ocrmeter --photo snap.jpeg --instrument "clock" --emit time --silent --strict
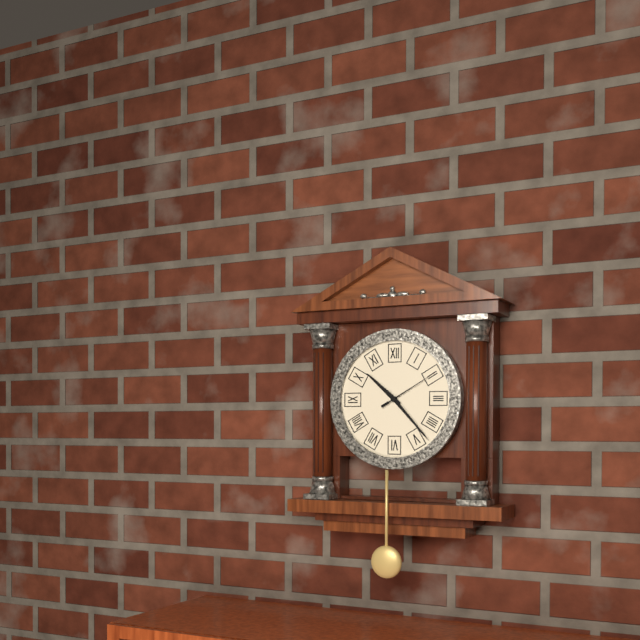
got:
10:23:10
